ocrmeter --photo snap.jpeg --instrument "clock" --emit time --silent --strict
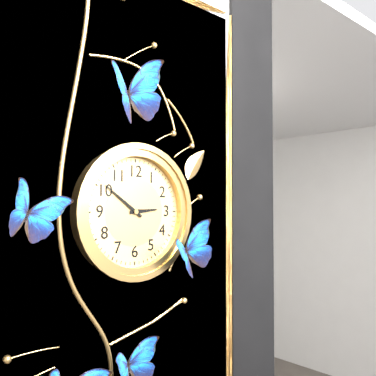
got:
2:51
